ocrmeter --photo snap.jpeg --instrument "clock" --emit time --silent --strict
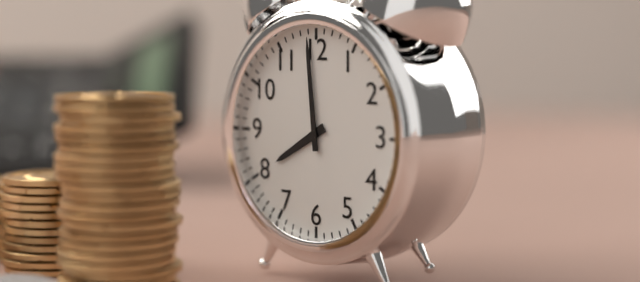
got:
7:59
